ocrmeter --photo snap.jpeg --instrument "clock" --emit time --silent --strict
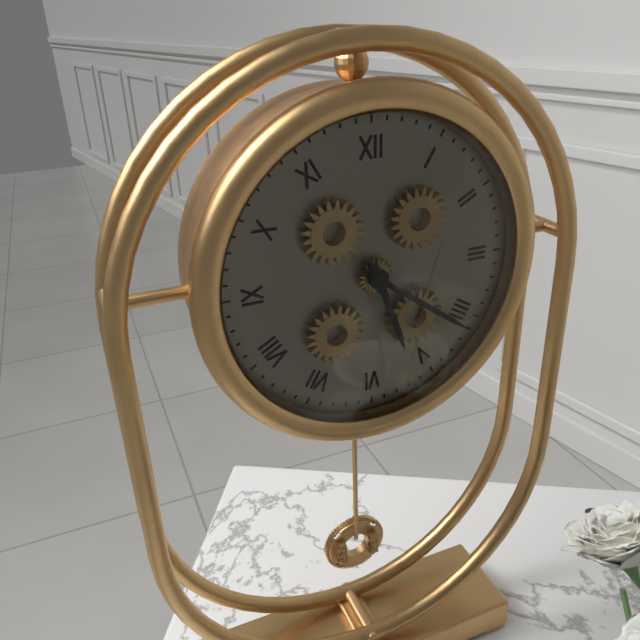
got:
5:21
